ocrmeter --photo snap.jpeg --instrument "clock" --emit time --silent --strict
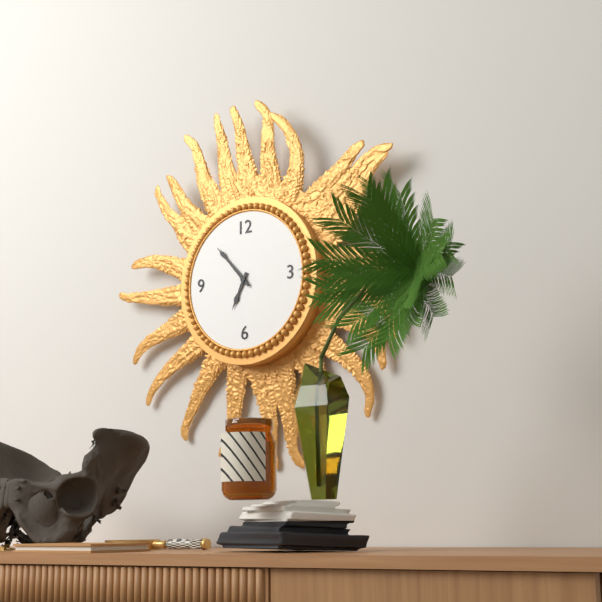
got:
6:53
